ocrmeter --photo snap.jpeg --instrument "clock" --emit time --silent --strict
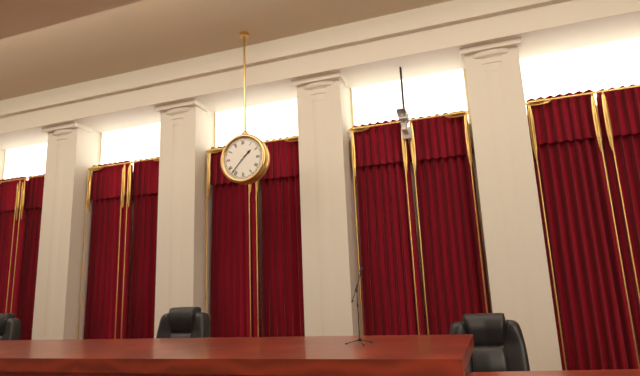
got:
1:37
